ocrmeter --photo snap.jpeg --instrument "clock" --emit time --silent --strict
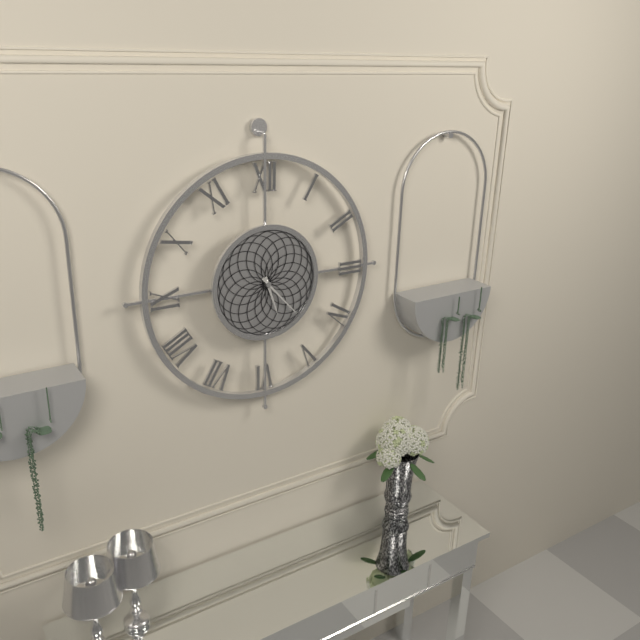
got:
5:23
